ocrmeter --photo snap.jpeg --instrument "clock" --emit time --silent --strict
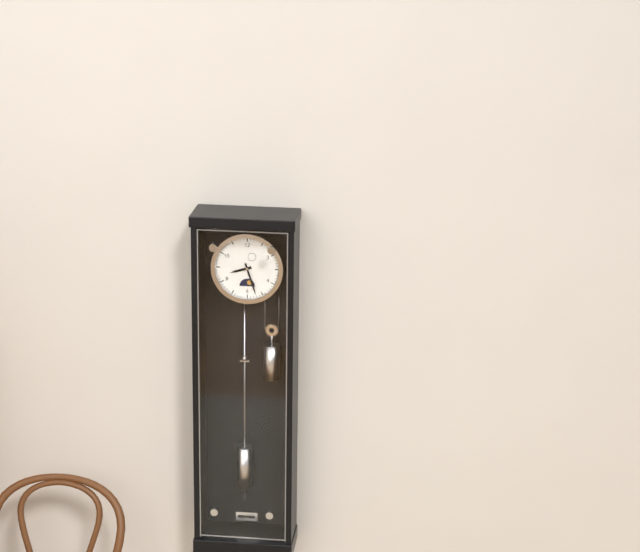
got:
8:27
